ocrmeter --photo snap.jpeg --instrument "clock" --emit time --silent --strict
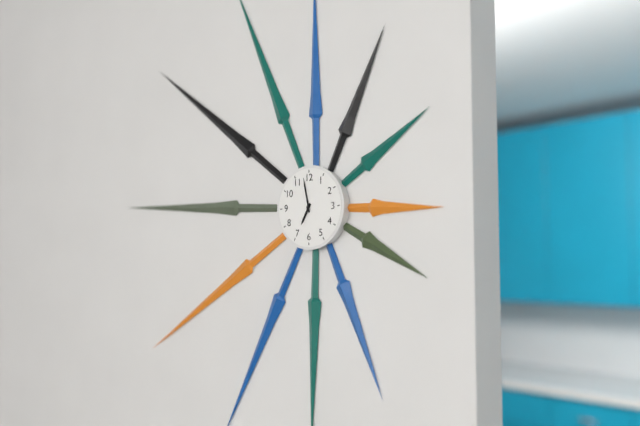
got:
6:58
